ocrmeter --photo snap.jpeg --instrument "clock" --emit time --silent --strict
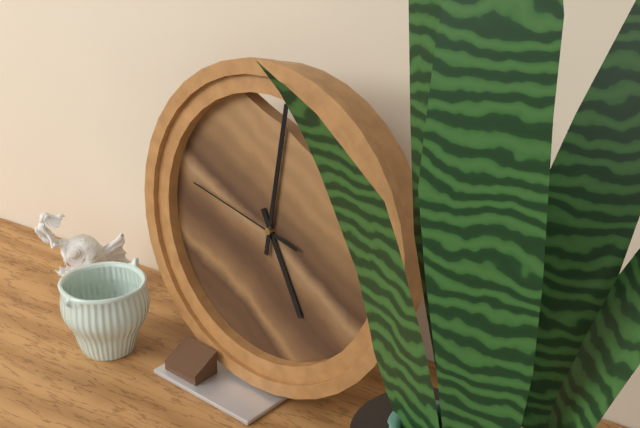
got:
5:01:47
